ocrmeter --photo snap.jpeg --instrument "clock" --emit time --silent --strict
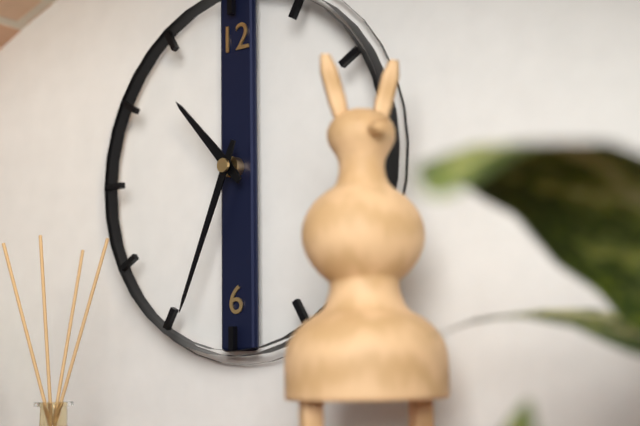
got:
10:34
